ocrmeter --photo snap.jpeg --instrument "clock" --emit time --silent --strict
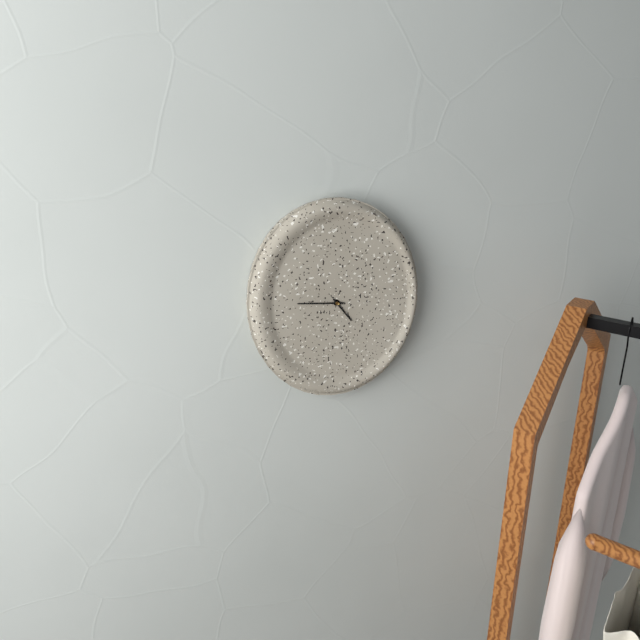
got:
4:46
